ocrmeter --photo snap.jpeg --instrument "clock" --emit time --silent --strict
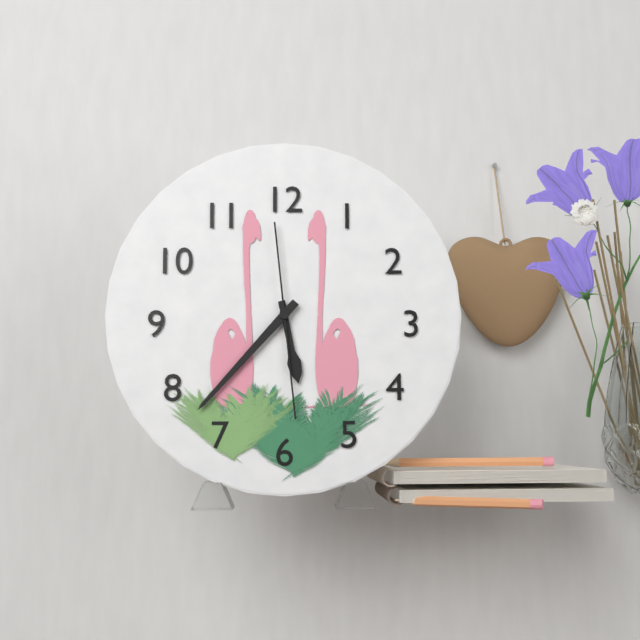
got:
5:37:29
